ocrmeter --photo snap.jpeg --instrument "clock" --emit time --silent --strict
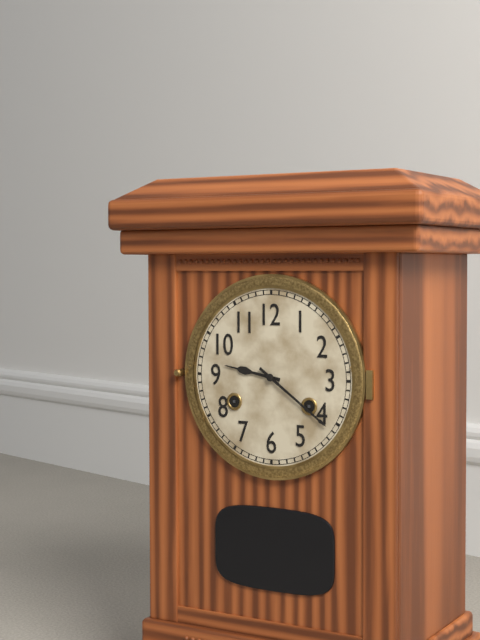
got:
9:21
